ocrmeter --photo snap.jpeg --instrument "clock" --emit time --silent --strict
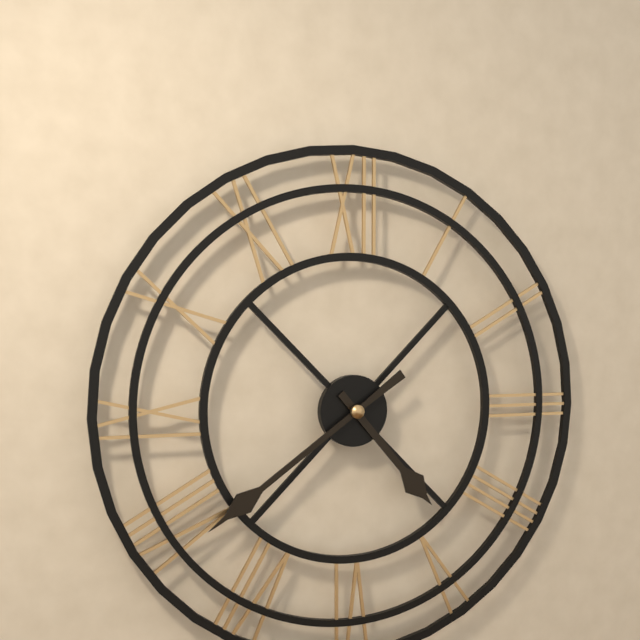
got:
4:39
